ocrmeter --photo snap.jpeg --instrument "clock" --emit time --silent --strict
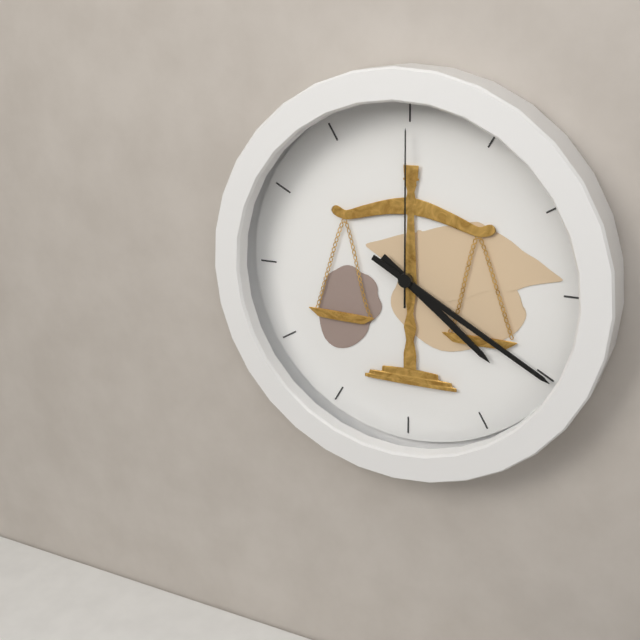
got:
4:20:00
